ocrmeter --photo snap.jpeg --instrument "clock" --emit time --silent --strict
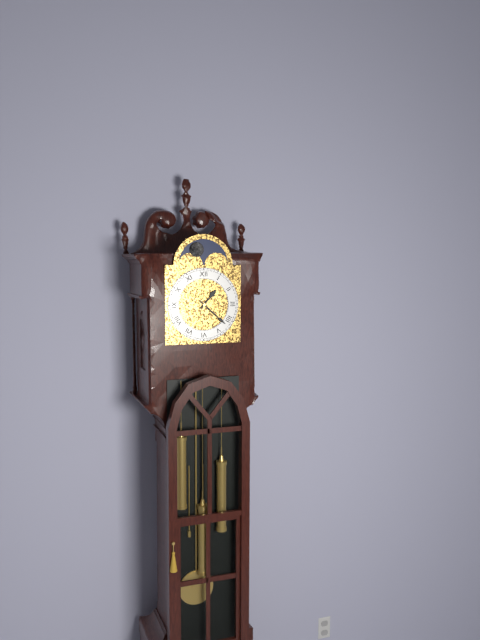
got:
1:22
